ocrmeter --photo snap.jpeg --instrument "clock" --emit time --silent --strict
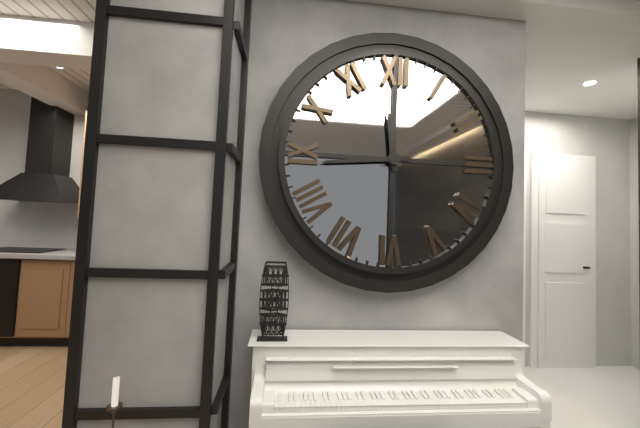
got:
11:44
